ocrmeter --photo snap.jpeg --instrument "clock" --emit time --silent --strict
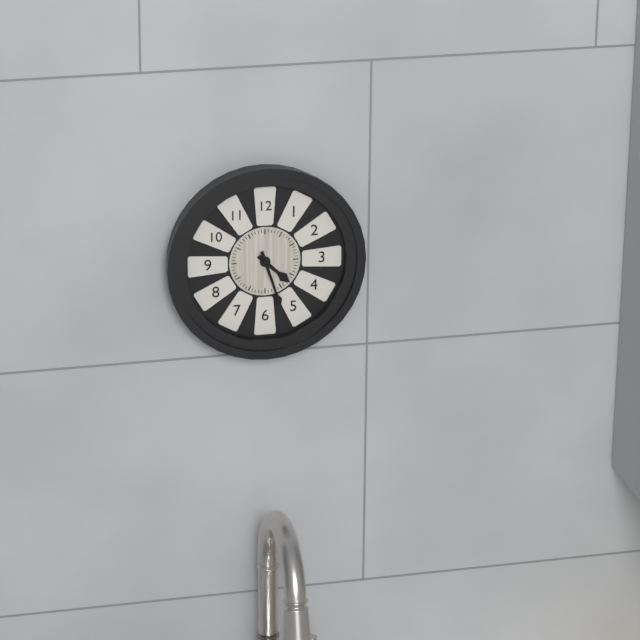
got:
4:27
